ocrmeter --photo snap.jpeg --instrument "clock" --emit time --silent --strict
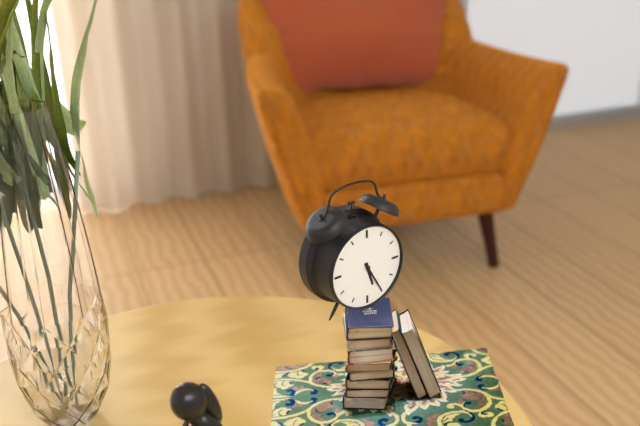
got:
5:25
